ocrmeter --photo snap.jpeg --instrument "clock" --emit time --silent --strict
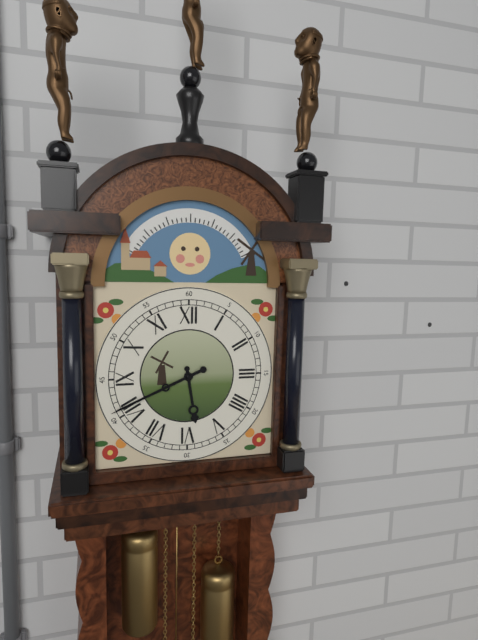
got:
5:41
